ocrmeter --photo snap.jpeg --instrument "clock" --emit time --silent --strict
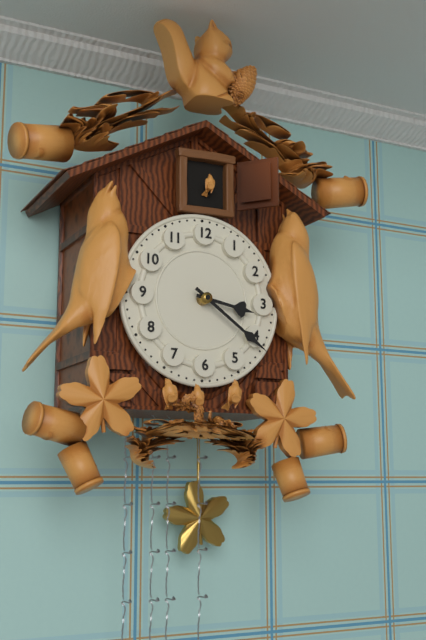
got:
3:21
